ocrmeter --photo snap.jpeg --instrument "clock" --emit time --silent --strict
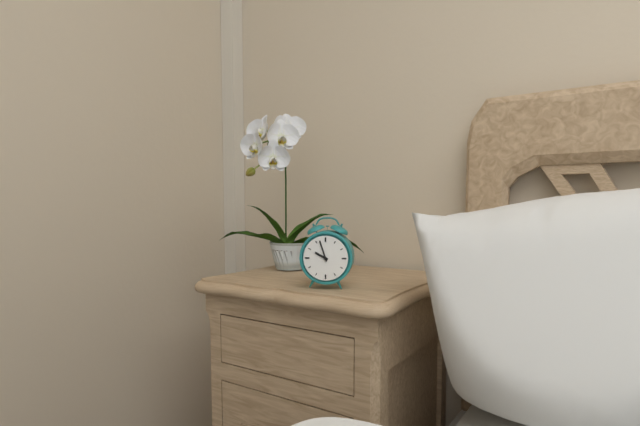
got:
9:57
